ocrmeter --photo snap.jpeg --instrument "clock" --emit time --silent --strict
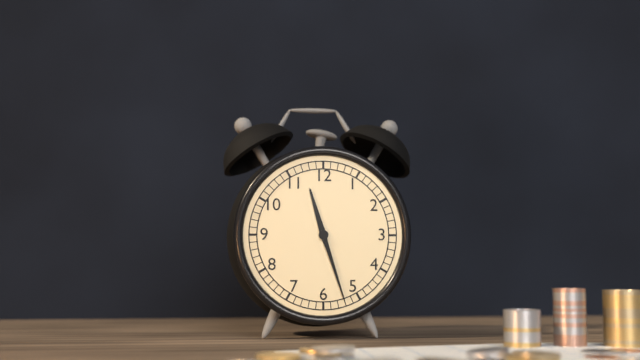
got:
11:27
